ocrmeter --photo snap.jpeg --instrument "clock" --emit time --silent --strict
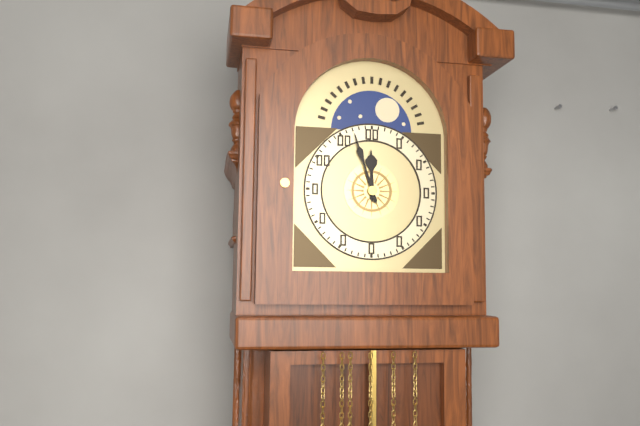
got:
11:57
